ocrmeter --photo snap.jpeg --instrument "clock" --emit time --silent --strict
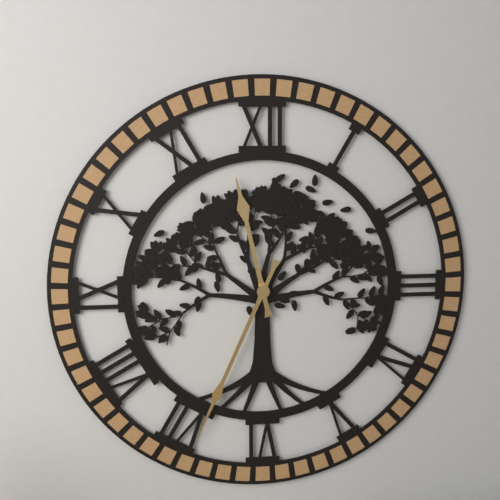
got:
11:34
